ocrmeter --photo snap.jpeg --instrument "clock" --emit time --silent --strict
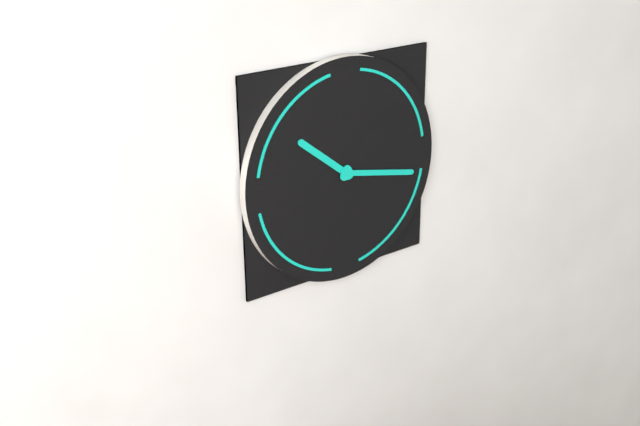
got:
10:17
